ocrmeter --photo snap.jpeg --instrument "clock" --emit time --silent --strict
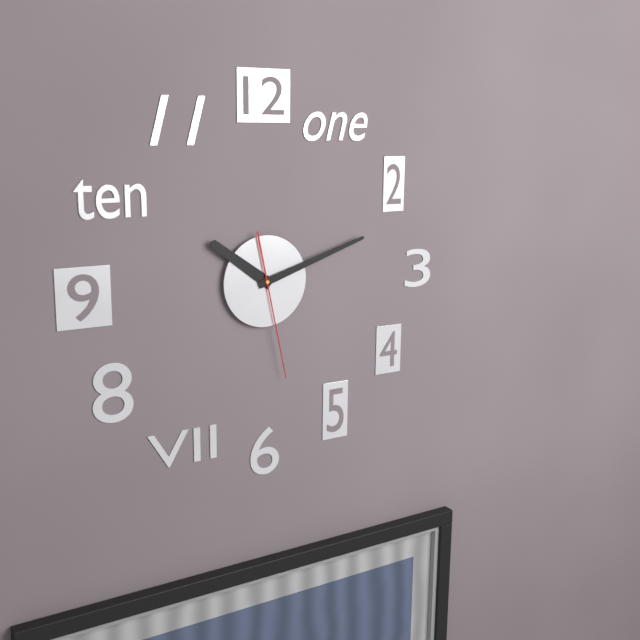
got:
10:12:28
